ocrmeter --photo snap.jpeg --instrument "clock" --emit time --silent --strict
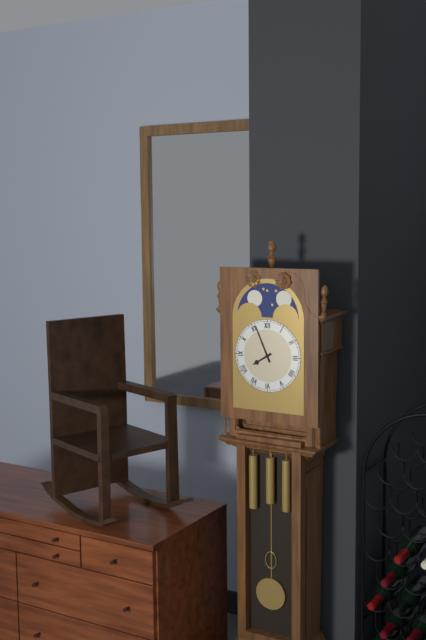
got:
7:56
